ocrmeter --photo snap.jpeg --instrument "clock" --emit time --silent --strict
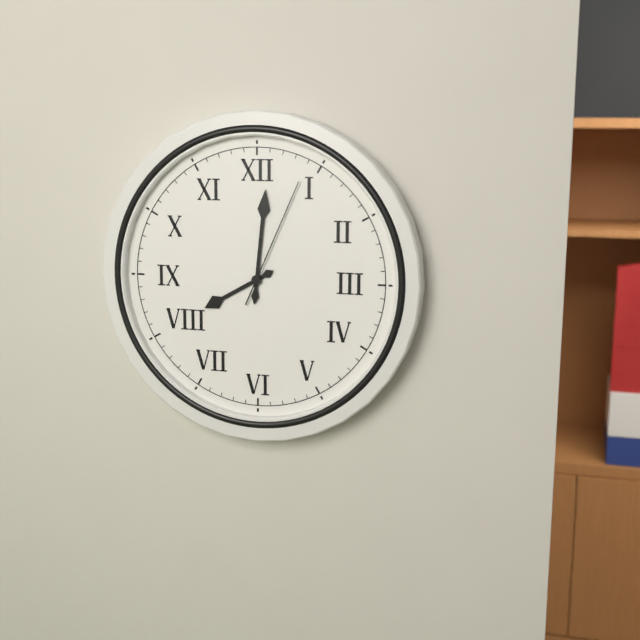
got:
8:01:04
